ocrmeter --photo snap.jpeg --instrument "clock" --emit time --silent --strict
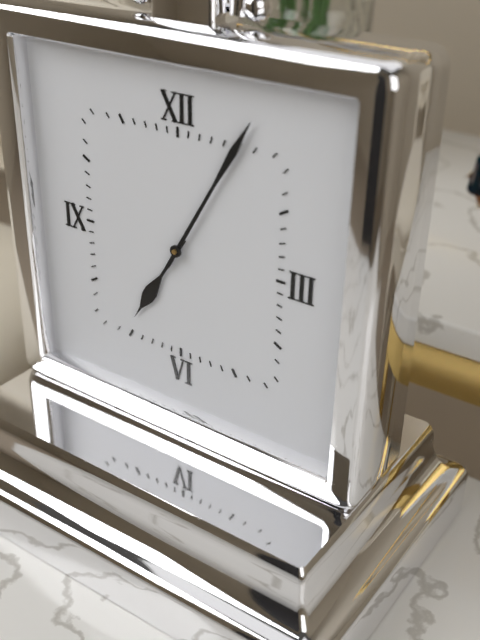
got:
7:05
